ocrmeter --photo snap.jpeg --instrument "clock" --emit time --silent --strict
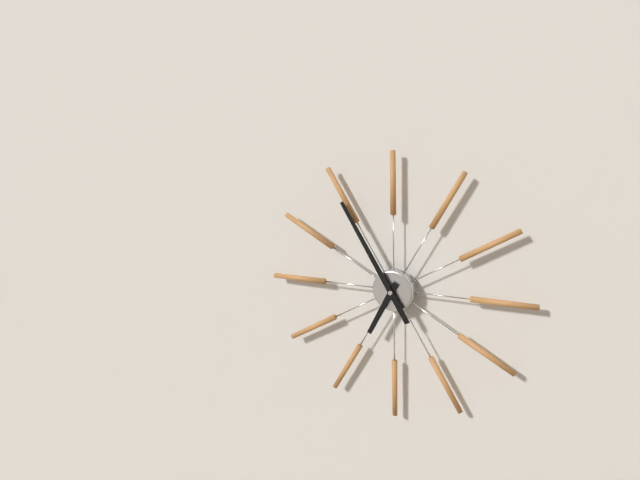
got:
6:55
